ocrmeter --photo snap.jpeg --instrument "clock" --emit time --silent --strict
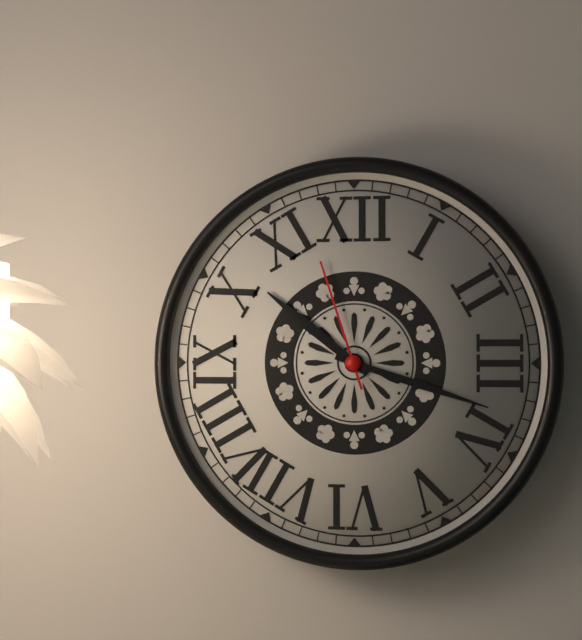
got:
10:18:57
